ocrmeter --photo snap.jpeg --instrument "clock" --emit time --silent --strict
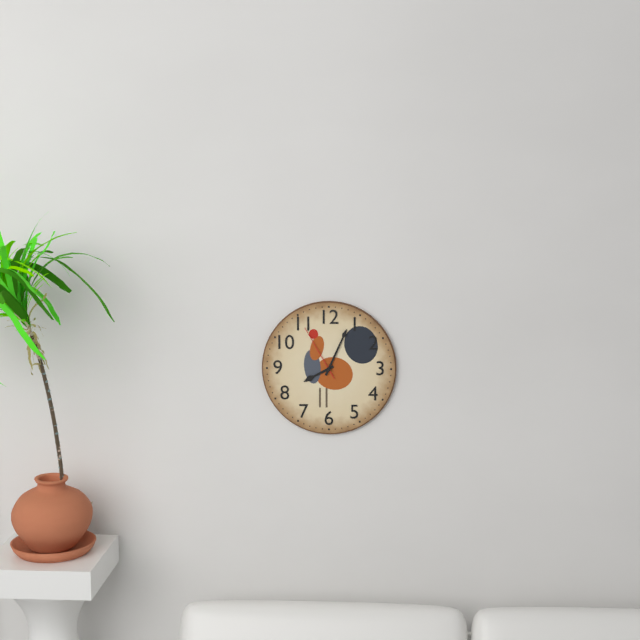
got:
8:04:55
